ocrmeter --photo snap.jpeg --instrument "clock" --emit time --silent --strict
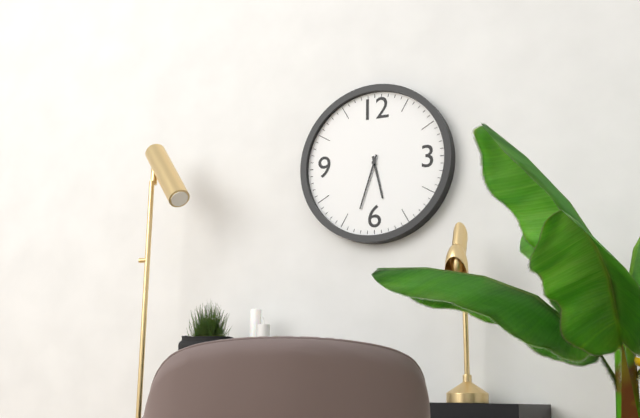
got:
5:33
